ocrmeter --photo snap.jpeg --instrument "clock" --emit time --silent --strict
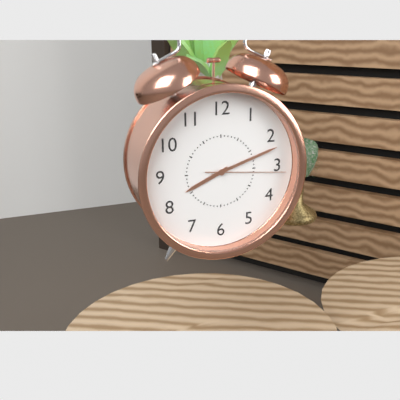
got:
8:12:16
